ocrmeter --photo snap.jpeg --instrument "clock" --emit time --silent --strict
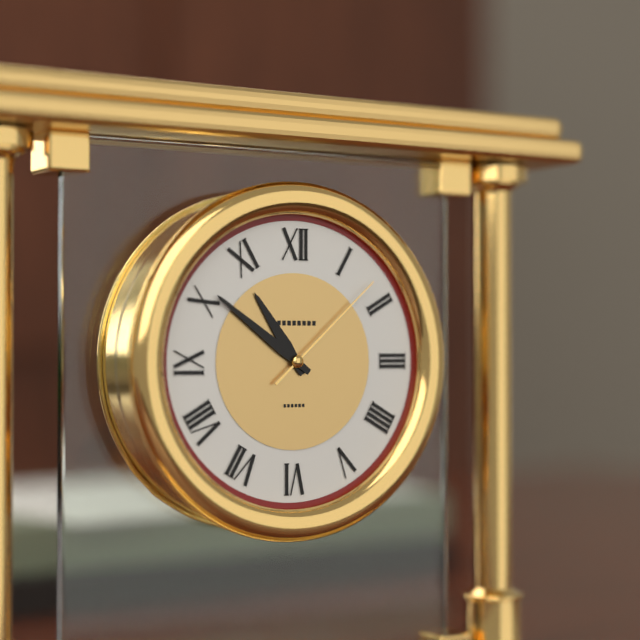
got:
10:51:08
